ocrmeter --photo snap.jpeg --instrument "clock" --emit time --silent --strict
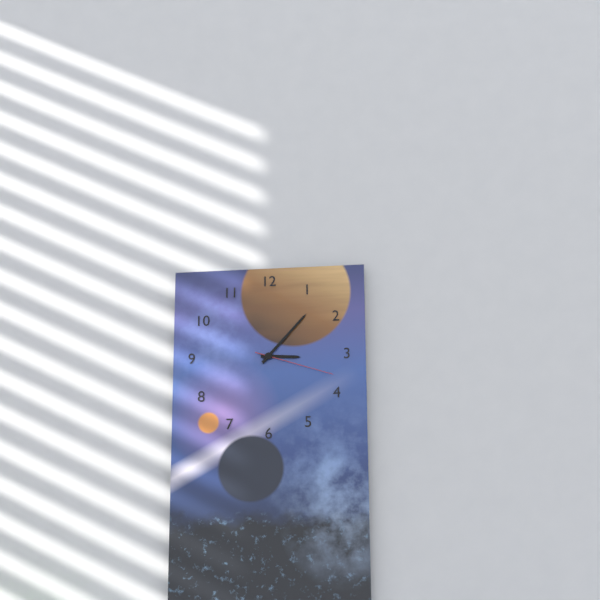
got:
3:07:18
